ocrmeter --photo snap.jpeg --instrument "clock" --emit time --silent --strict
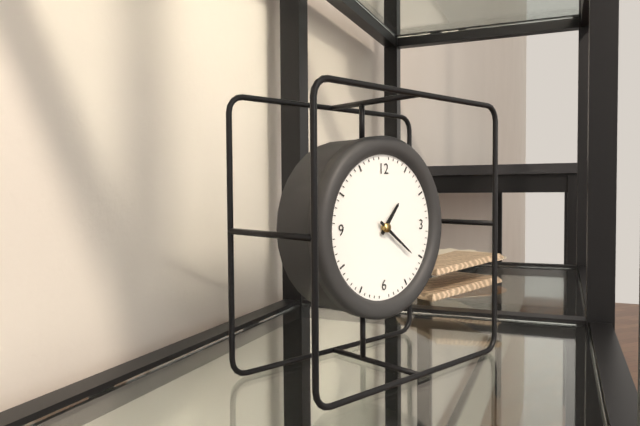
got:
1:21
